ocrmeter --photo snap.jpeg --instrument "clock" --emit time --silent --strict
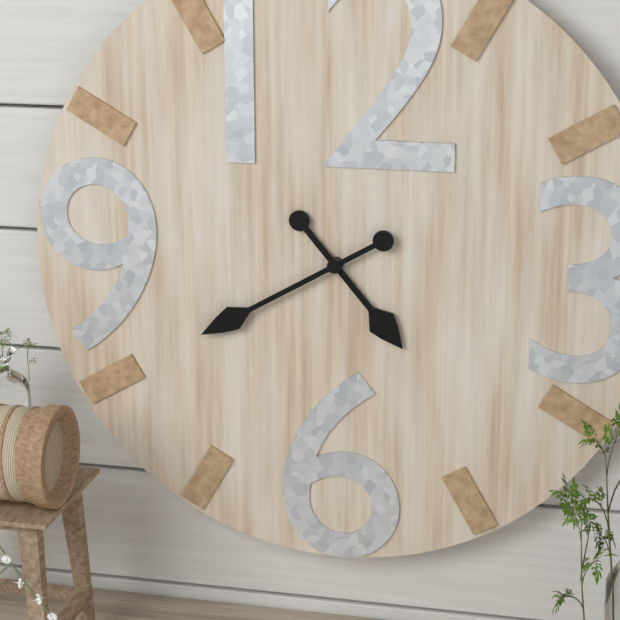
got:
4:40
